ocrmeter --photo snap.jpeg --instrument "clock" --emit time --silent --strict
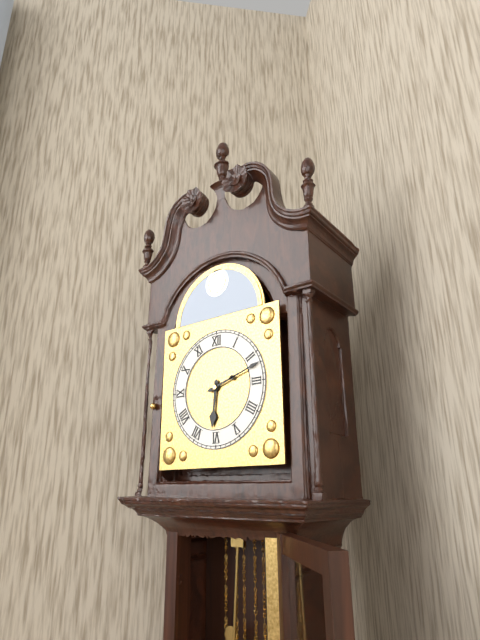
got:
6:12
